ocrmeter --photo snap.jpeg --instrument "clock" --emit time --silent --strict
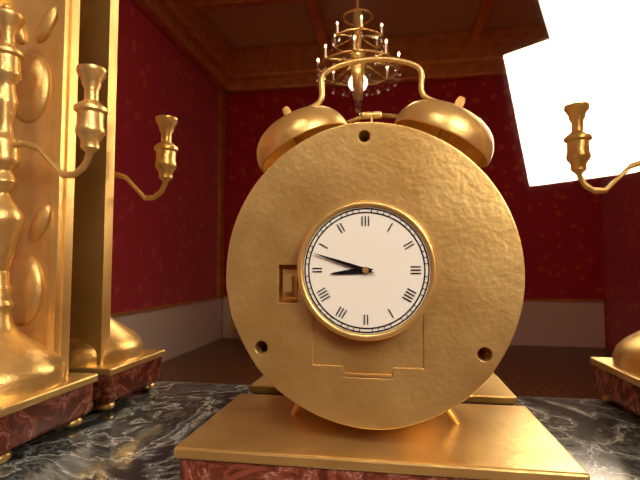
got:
8:48
